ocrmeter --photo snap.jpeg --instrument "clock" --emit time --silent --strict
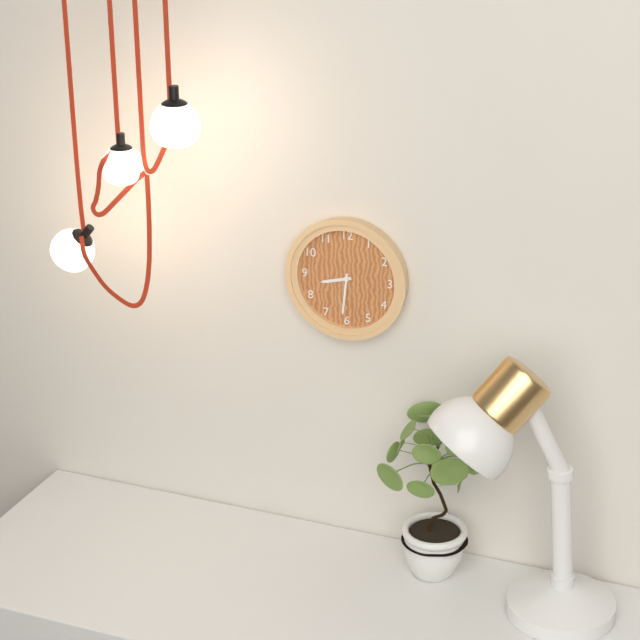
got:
8:31
